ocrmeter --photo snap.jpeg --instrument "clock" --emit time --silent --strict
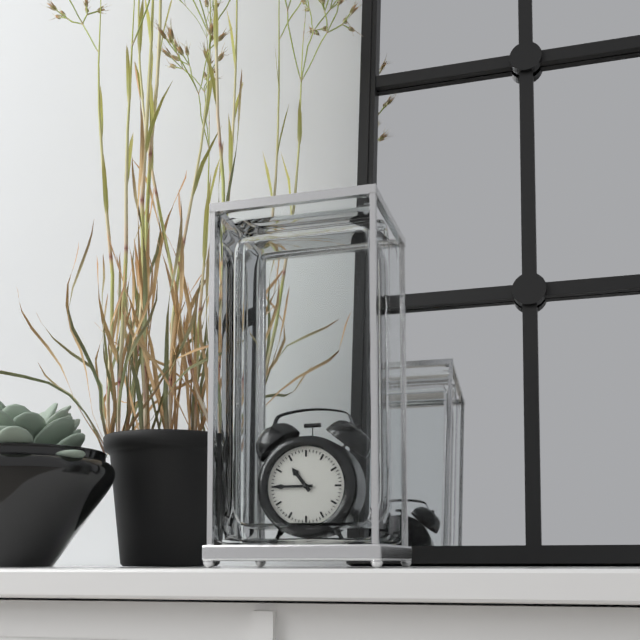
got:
10:45
